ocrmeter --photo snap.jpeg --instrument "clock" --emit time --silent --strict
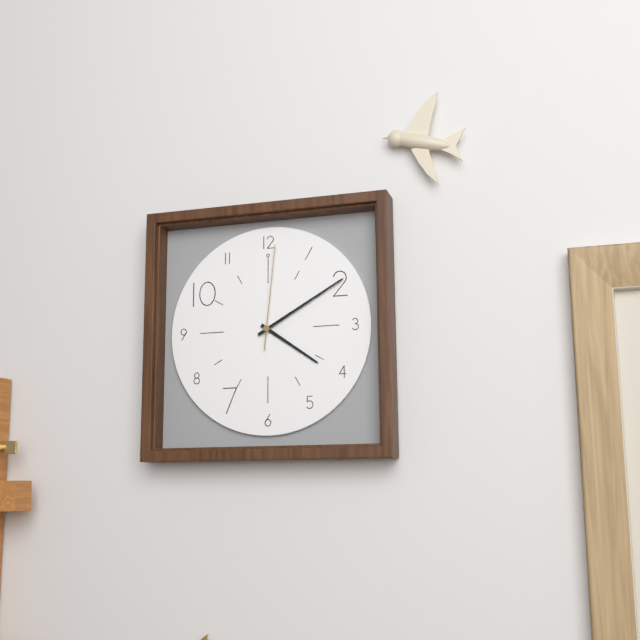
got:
4:10:01
